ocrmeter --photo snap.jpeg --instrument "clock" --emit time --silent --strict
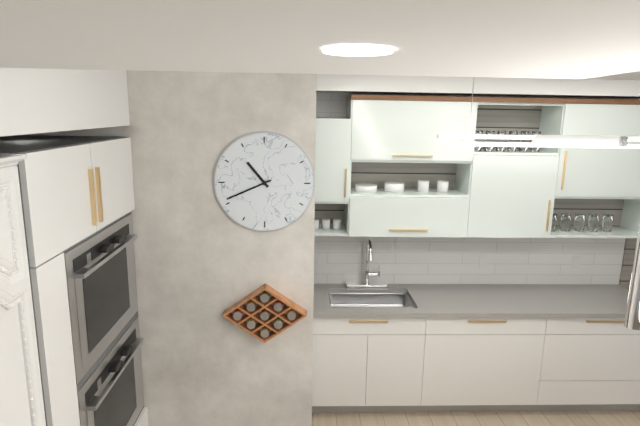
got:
10:41
